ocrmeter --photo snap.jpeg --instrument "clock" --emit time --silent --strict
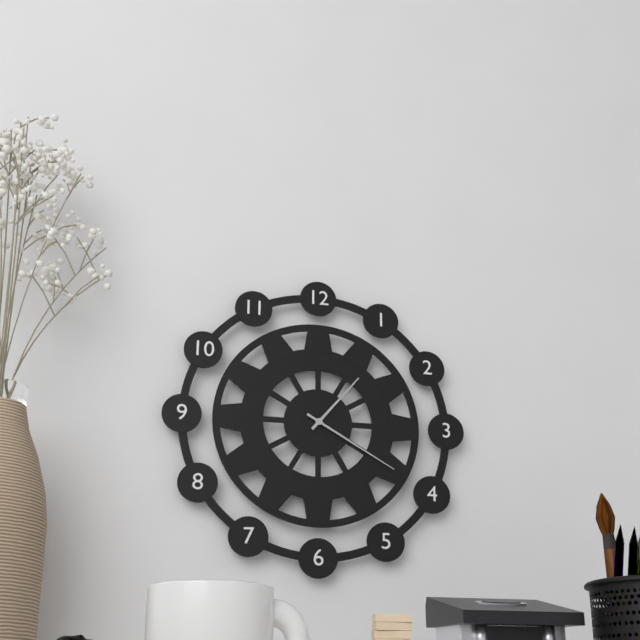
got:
1:20
